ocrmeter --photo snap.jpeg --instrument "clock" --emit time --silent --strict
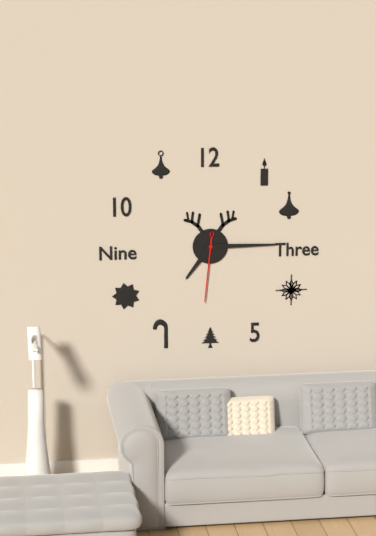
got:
7:15:31
